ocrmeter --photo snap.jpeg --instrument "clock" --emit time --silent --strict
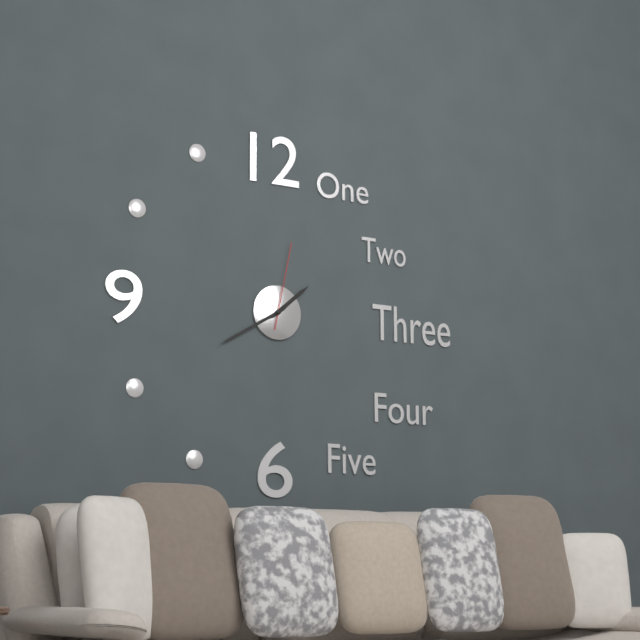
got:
1:40:02
